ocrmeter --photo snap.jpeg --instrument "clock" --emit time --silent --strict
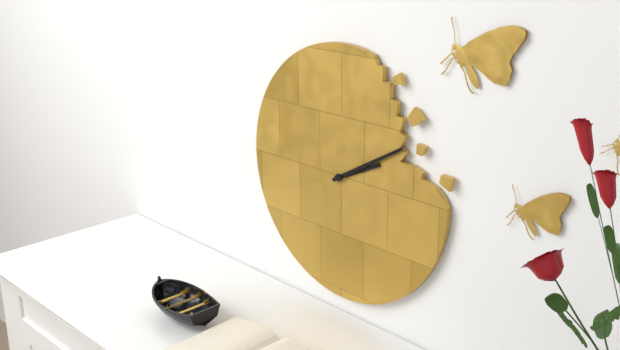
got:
2:10
